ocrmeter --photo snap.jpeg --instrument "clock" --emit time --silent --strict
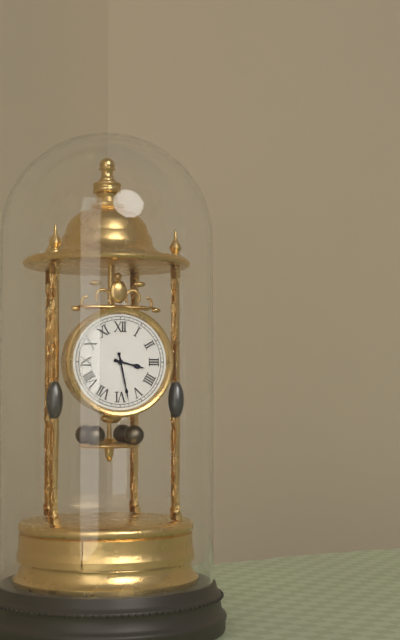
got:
3:28
